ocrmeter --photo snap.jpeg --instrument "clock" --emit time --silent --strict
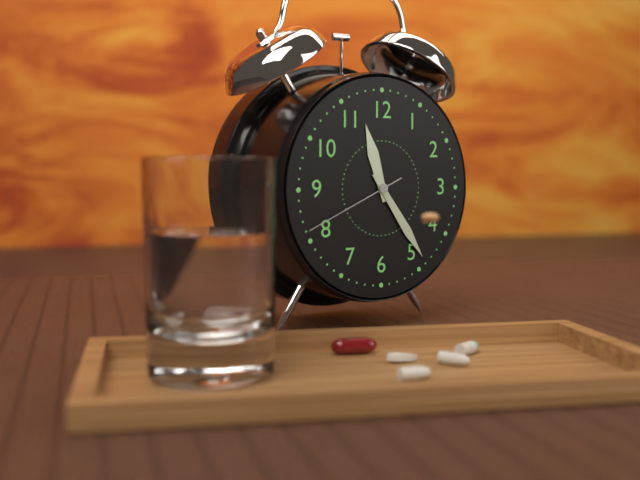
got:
11:24:41
